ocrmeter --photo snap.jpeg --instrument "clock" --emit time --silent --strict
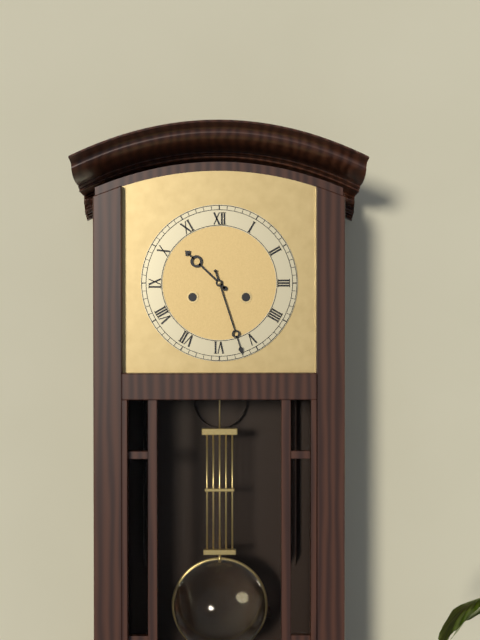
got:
10:27
